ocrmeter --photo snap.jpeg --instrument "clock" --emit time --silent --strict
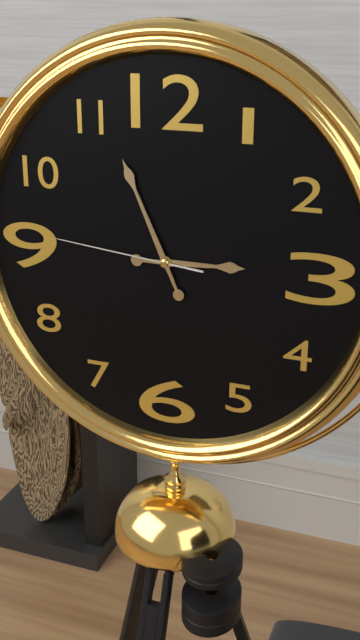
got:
2:56:46
